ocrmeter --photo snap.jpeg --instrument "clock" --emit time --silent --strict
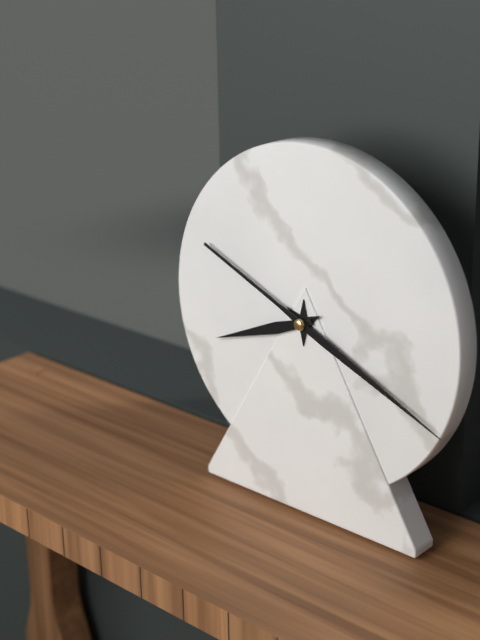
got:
8:19
